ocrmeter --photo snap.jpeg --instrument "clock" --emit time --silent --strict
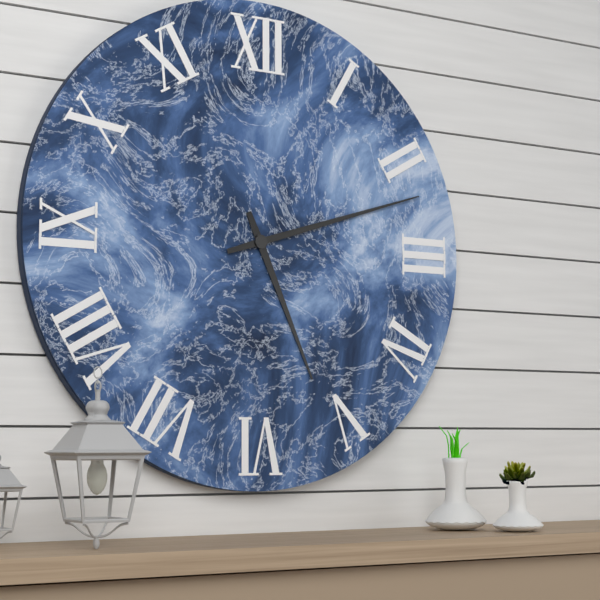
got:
5:12
